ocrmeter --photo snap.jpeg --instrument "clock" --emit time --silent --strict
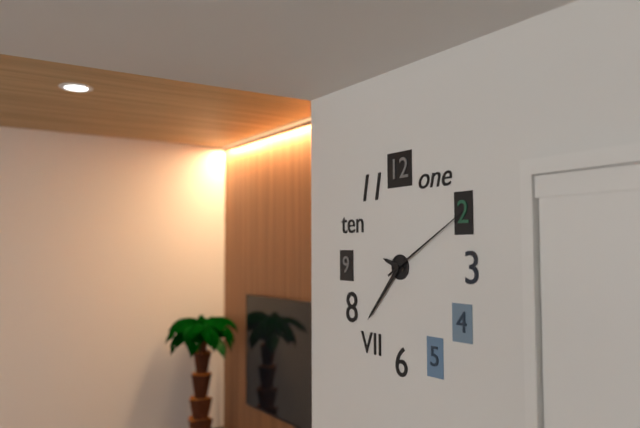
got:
9:37:10
